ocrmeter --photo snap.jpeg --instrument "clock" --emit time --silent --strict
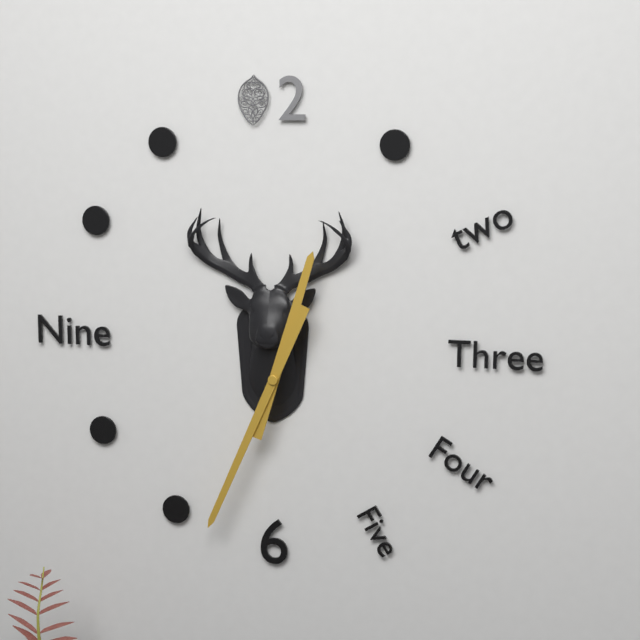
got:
12:34
